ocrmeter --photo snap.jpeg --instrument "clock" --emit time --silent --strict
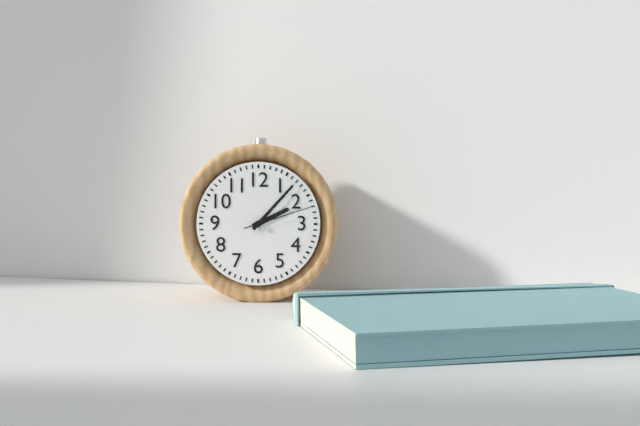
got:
2:07:12
